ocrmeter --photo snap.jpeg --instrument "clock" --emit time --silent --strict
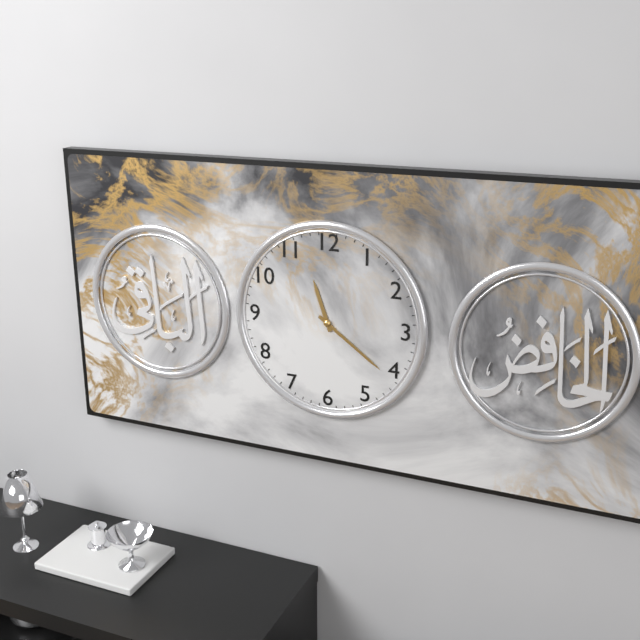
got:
11:21
